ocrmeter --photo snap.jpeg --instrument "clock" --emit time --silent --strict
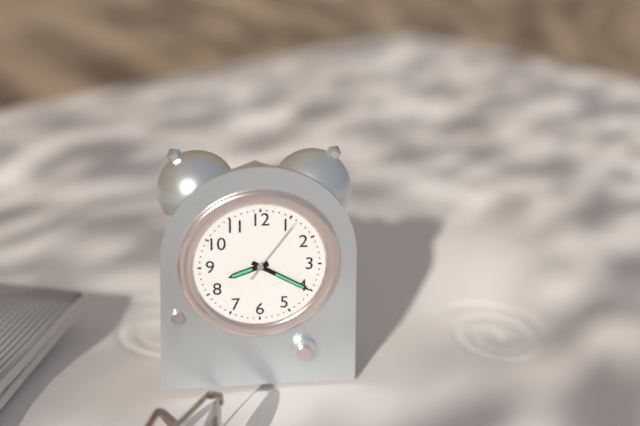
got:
8:20:06
